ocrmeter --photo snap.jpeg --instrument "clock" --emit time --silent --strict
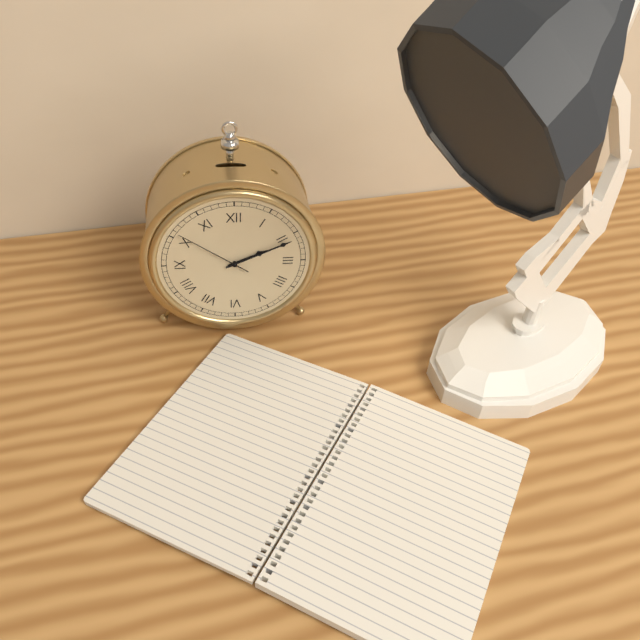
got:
2:11:51
